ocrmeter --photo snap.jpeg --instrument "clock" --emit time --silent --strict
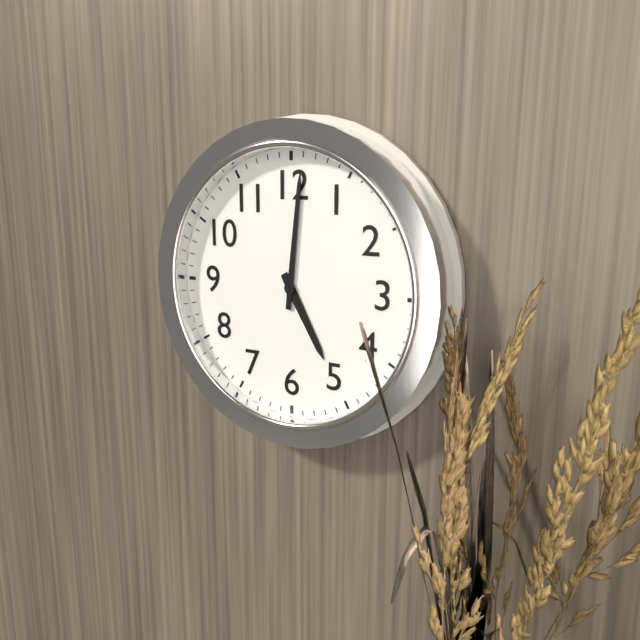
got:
5:01
